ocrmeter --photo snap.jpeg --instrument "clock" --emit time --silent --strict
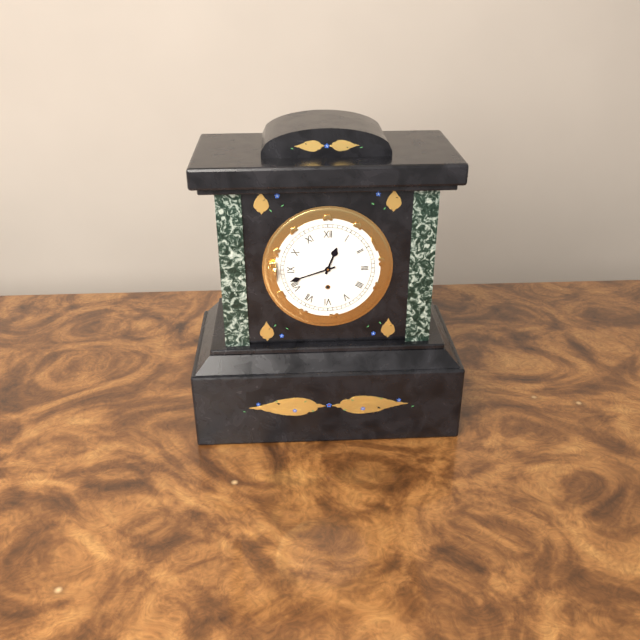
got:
12:42
